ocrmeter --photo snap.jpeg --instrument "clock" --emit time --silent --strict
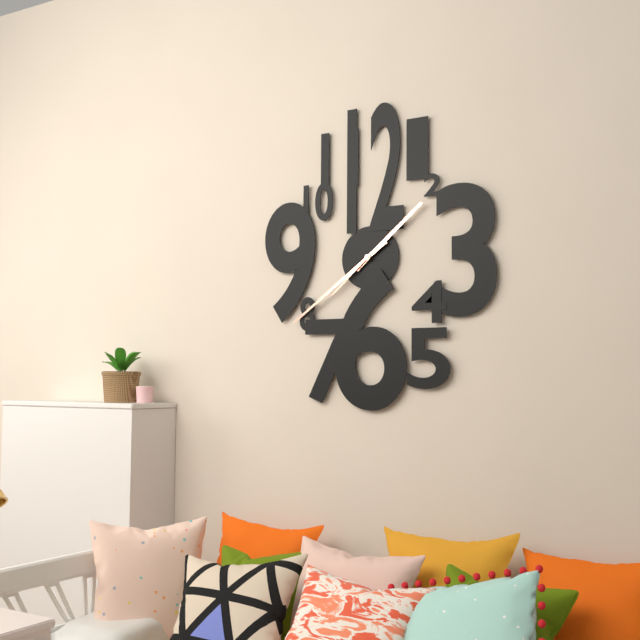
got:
1:39:38
